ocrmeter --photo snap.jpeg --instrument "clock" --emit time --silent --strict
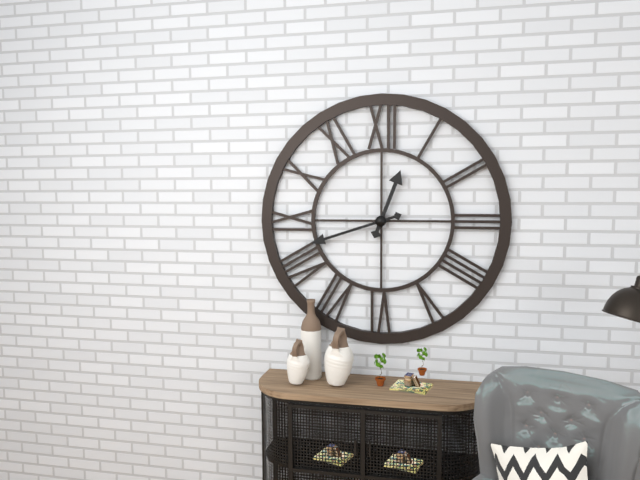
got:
12:42
